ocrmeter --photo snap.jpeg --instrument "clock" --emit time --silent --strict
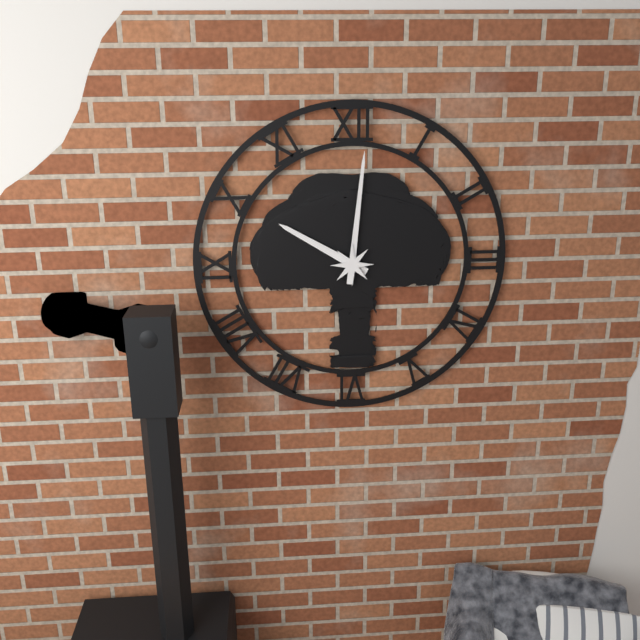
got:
10:01
